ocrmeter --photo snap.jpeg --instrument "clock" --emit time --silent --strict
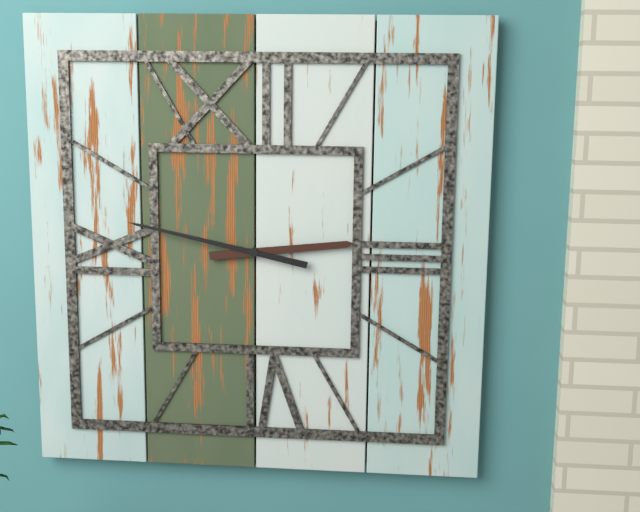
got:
2:47
